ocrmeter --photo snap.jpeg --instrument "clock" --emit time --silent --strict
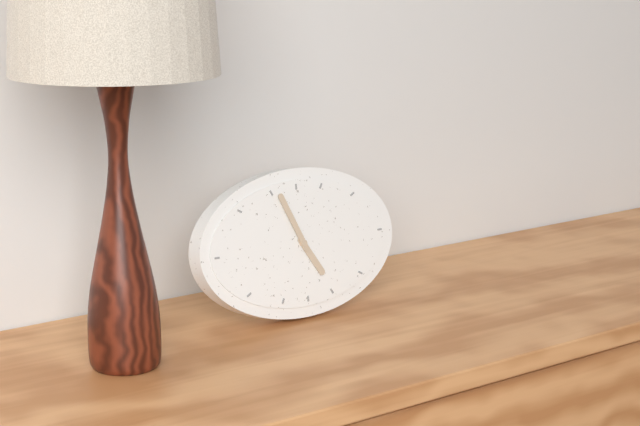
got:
4:56
